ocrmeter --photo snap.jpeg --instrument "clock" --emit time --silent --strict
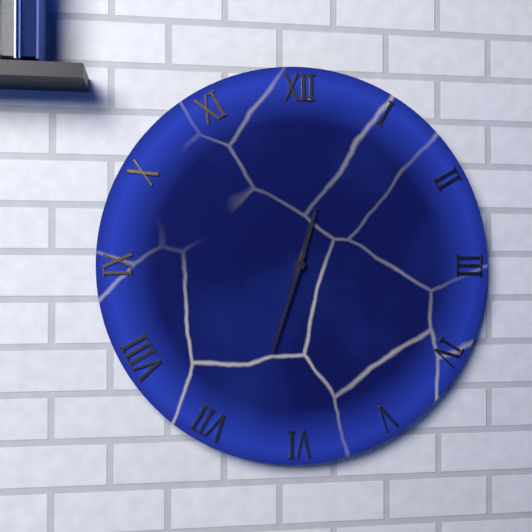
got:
12:33
